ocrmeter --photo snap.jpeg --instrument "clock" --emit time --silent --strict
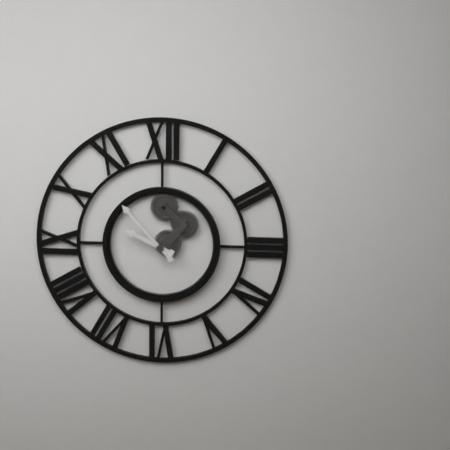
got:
9:53
